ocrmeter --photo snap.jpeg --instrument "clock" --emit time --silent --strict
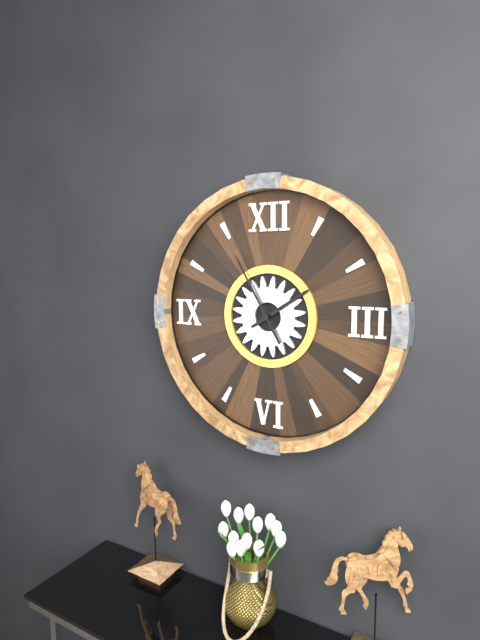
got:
1:55
